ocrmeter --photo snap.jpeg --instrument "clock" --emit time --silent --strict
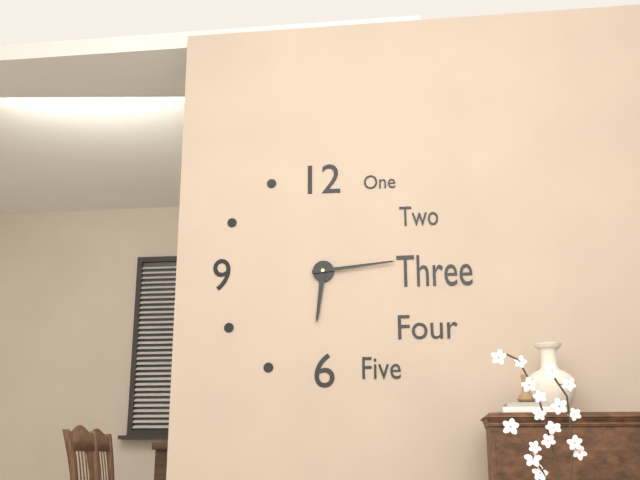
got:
6:14
